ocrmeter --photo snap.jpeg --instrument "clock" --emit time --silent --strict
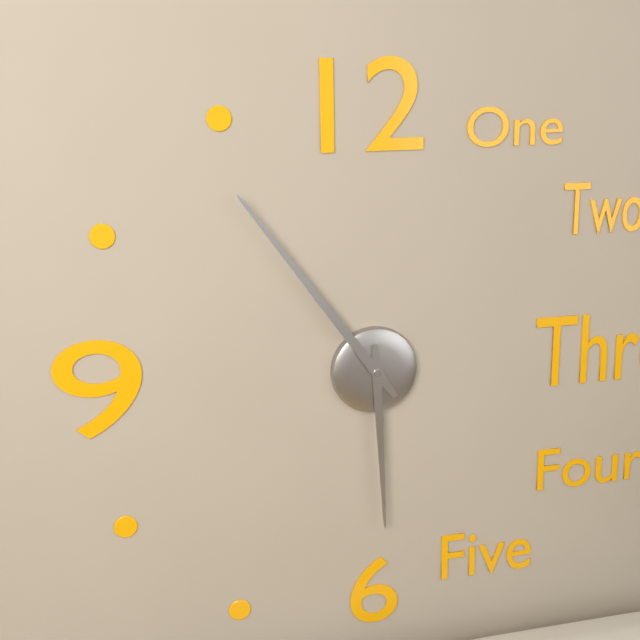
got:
5:54
